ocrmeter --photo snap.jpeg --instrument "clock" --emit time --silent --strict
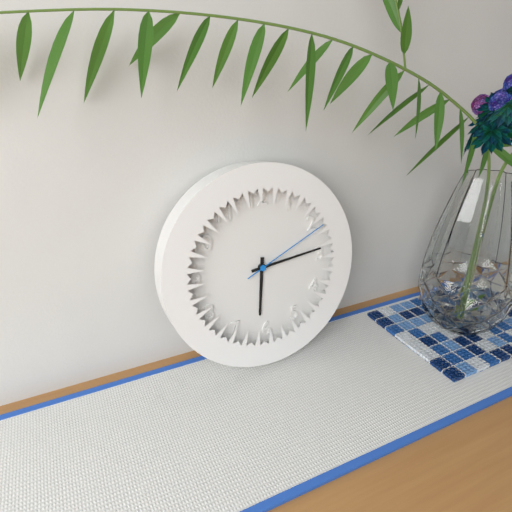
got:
6:14:11
